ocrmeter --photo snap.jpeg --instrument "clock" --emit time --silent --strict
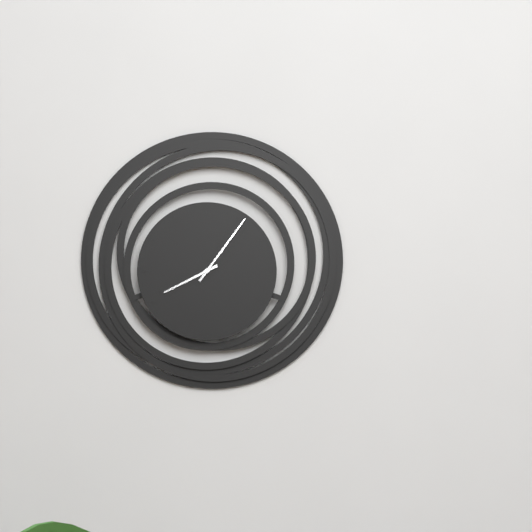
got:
8:06
